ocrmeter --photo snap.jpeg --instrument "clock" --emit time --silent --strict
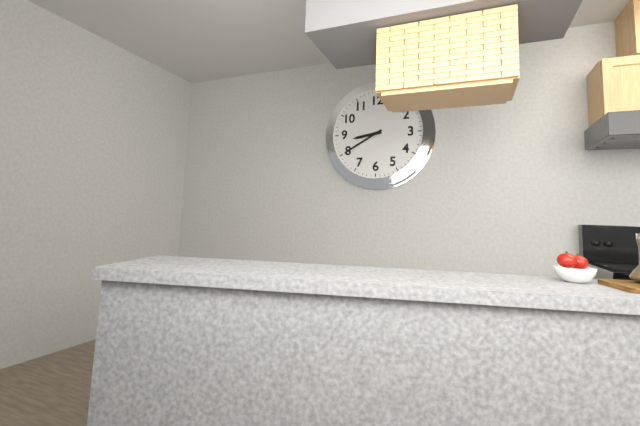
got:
8:40
